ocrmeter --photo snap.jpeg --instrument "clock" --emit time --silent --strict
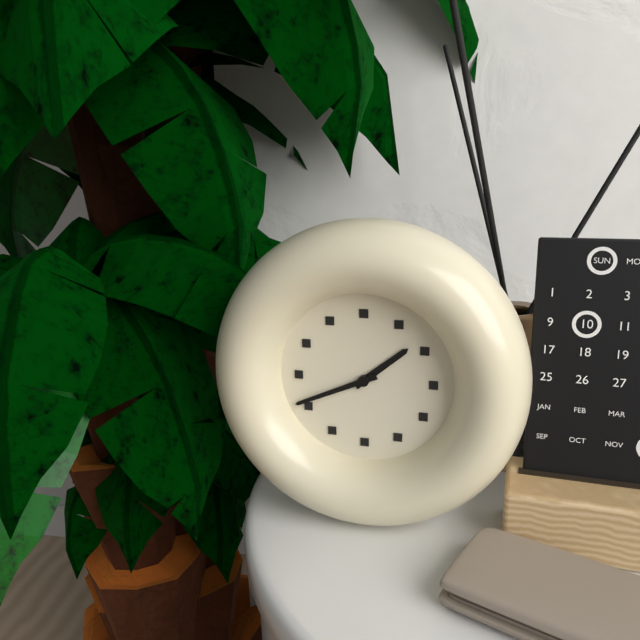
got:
1:41
